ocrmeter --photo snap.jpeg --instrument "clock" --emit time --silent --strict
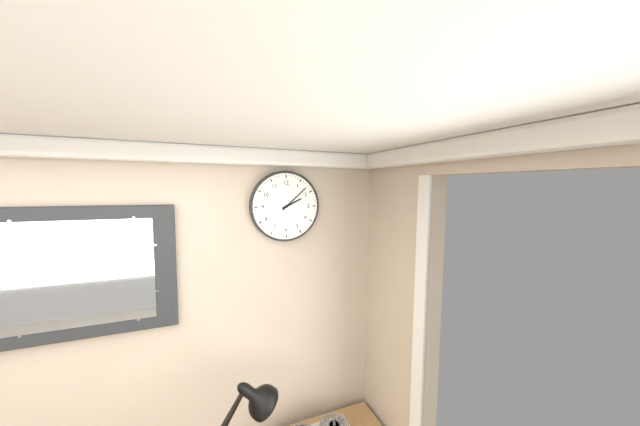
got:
2:08
